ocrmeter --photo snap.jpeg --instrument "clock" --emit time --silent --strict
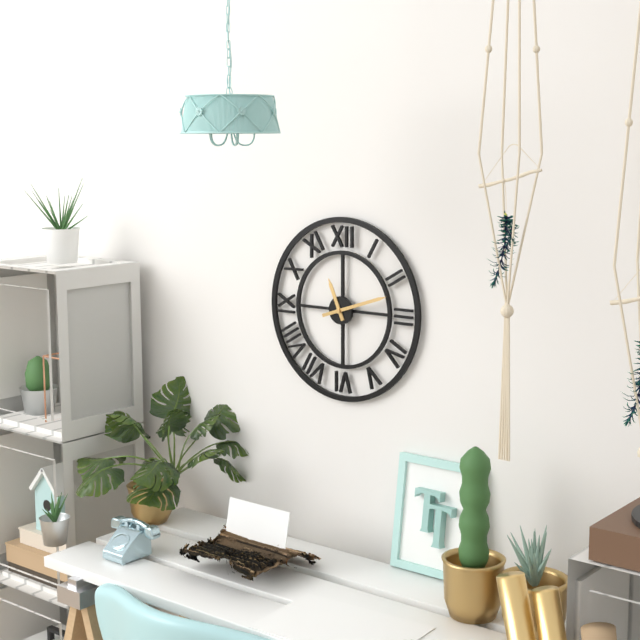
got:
11:12
